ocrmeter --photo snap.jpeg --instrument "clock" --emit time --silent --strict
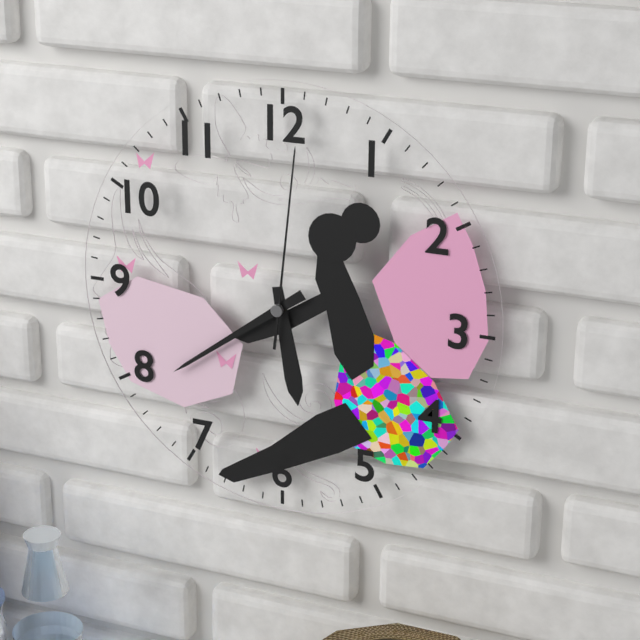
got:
5:39:01
